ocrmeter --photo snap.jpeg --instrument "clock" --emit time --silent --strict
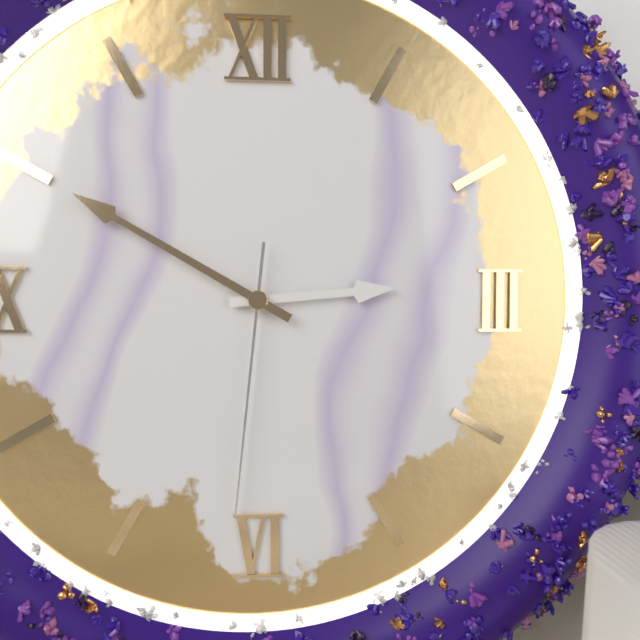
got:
2:50:31
